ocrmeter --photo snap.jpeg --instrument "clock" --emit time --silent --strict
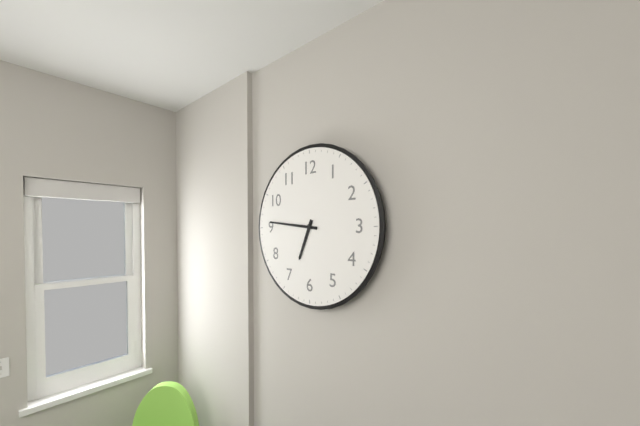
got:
6:46
